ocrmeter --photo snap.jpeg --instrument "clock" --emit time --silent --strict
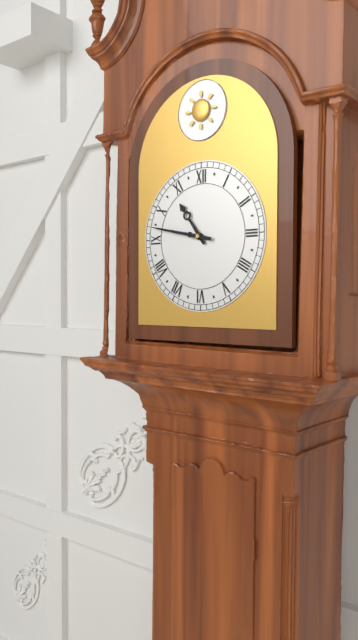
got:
10:47
